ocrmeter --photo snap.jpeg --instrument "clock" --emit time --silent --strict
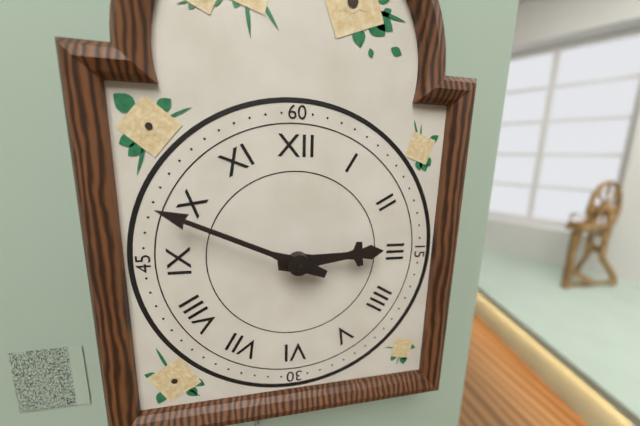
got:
2:49
